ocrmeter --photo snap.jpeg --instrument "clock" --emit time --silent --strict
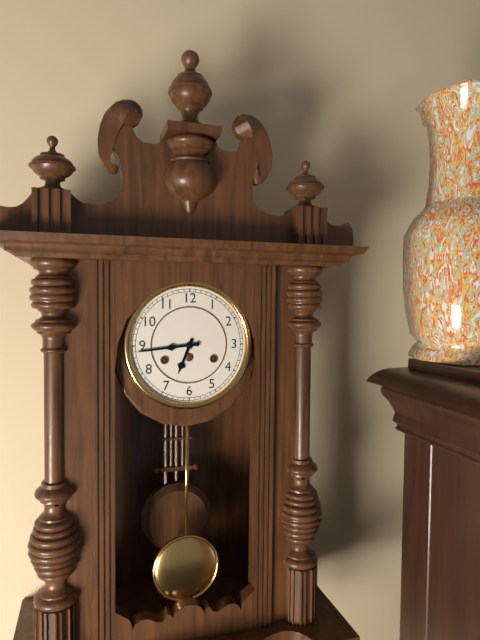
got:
6:44
